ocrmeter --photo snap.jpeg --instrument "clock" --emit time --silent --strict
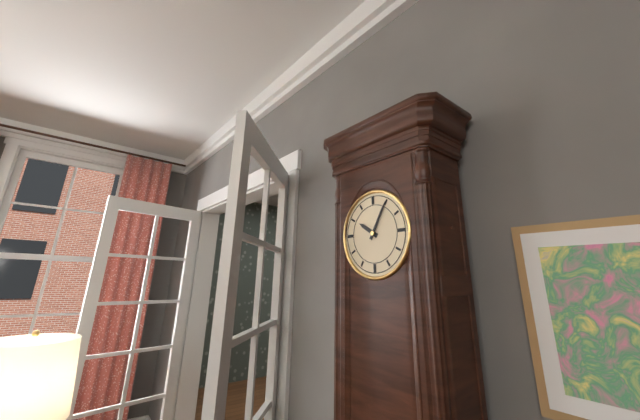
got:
10:05
